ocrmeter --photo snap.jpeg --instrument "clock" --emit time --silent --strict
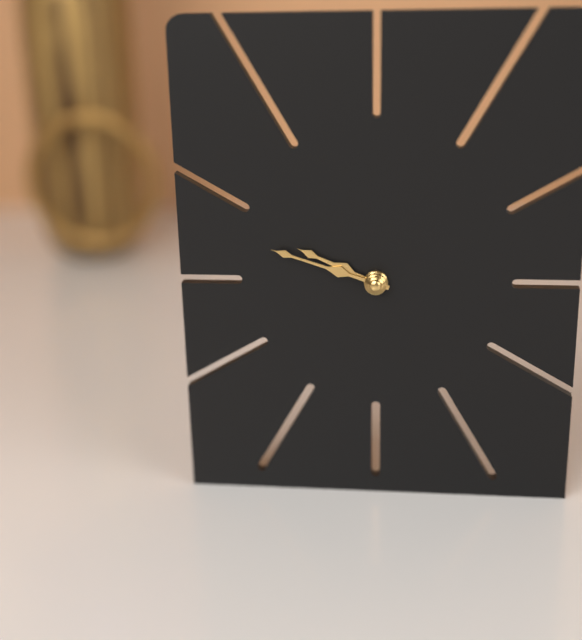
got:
9:48
